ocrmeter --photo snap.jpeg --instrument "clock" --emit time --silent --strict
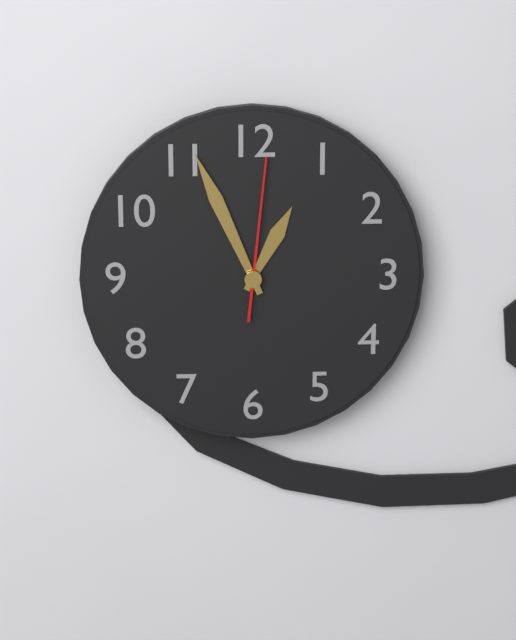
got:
12:56:01
